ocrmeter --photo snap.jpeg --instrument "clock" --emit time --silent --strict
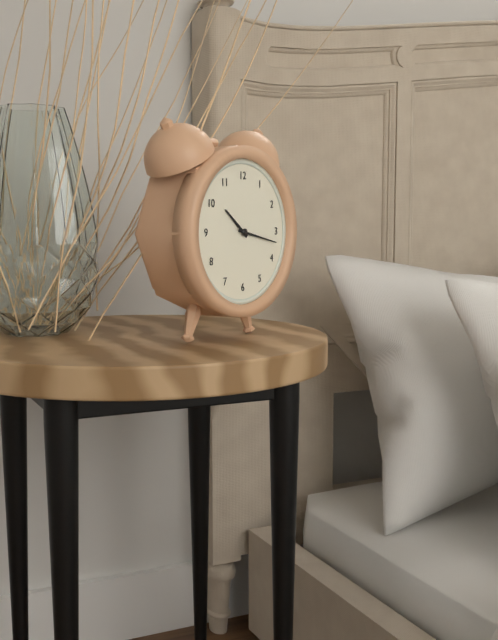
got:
10:17
